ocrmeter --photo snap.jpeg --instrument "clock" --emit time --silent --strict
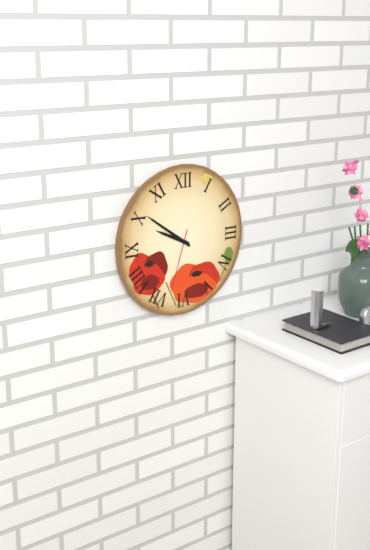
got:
9:51:33
